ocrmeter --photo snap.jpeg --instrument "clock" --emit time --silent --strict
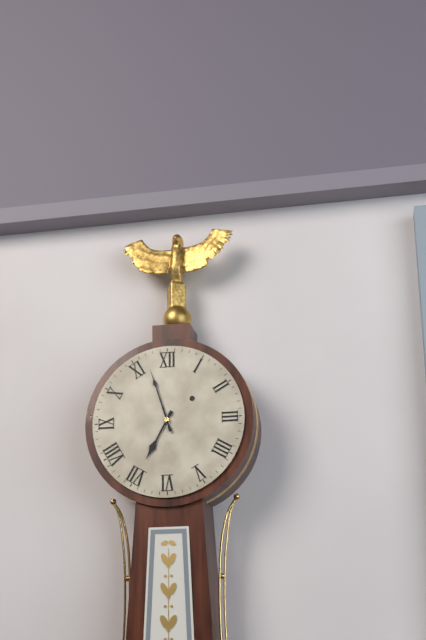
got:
6:57
